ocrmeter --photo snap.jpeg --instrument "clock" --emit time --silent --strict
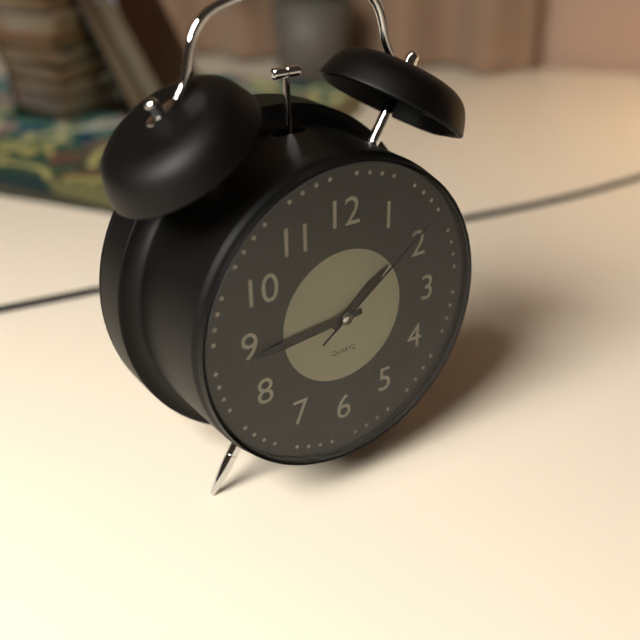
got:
1:44:09
